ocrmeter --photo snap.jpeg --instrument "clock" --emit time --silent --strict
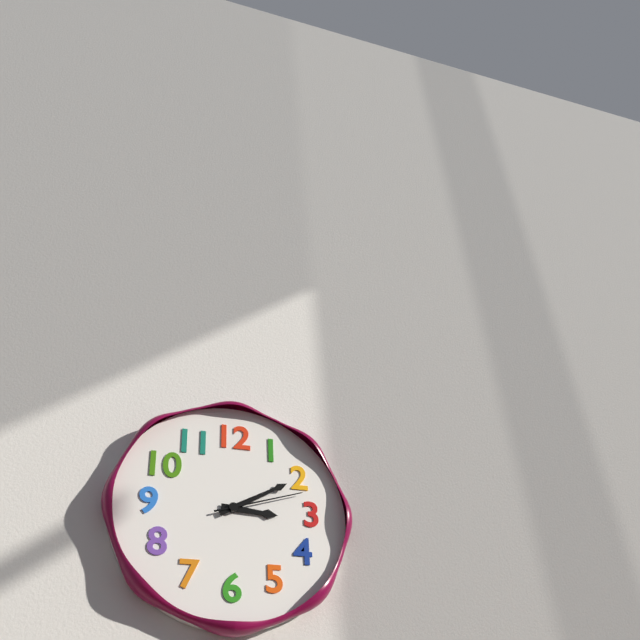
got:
3:10:12
